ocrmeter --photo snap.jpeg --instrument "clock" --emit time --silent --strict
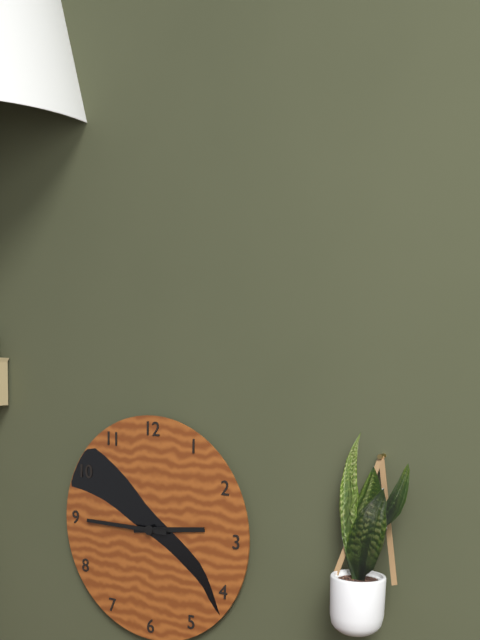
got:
2:45
